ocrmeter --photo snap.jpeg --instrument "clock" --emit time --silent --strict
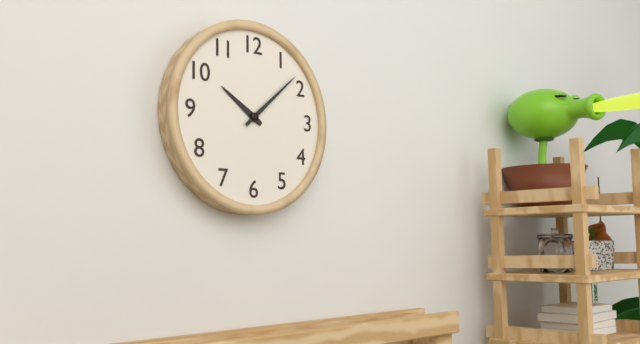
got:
10:08
